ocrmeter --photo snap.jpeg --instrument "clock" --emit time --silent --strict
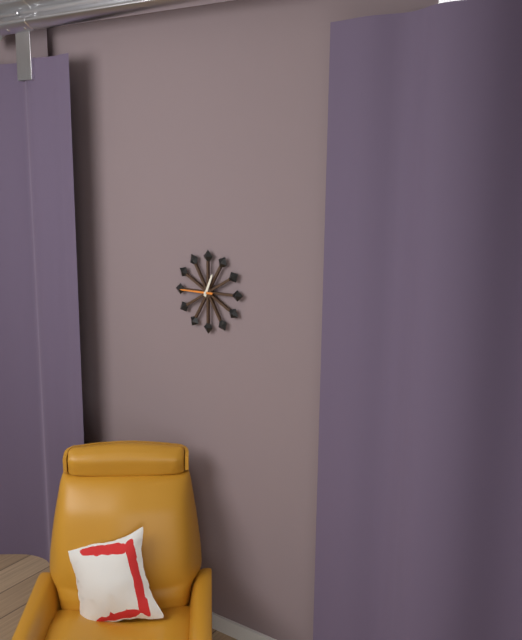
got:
12:45
